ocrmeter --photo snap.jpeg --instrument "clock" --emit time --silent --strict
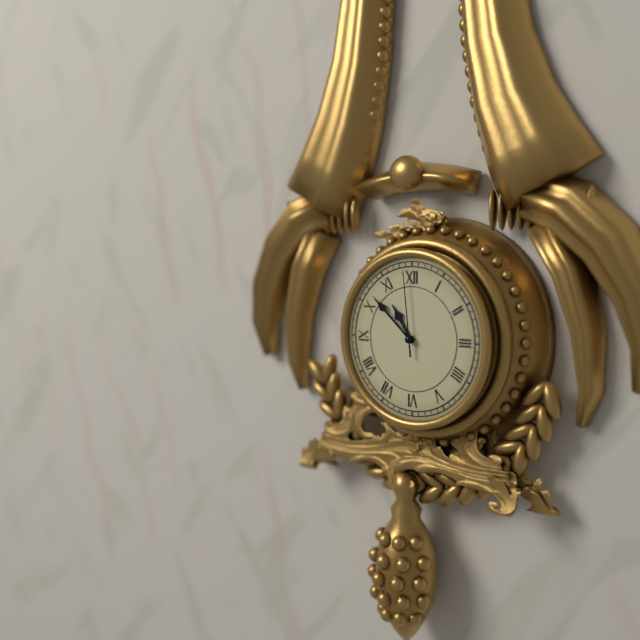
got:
10:52:59
